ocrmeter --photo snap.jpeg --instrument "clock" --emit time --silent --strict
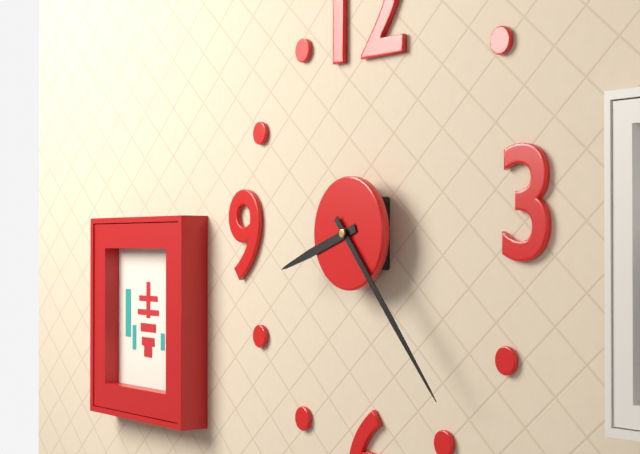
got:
8:23
